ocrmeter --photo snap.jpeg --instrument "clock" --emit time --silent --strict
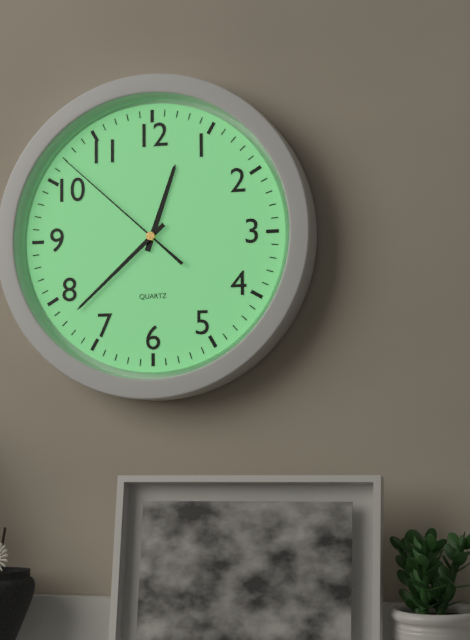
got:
12:38:52
